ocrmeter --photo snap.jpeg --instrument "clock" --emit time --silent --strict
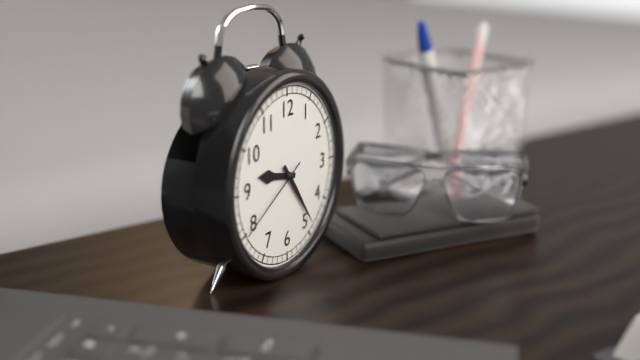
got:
9:24:40
